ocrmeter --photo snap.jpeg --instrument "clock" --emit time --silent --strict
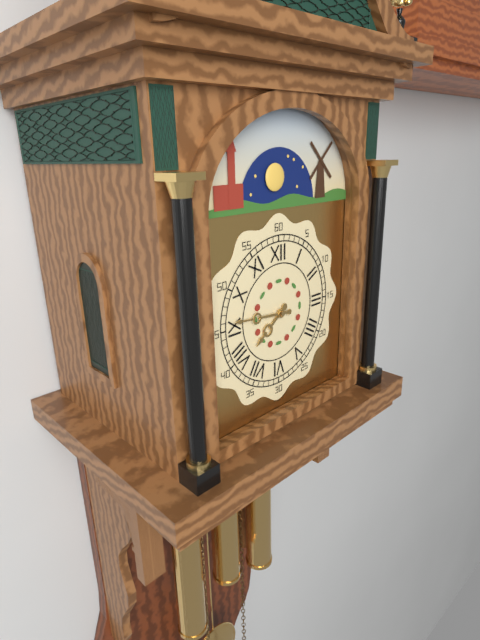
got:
7:46
